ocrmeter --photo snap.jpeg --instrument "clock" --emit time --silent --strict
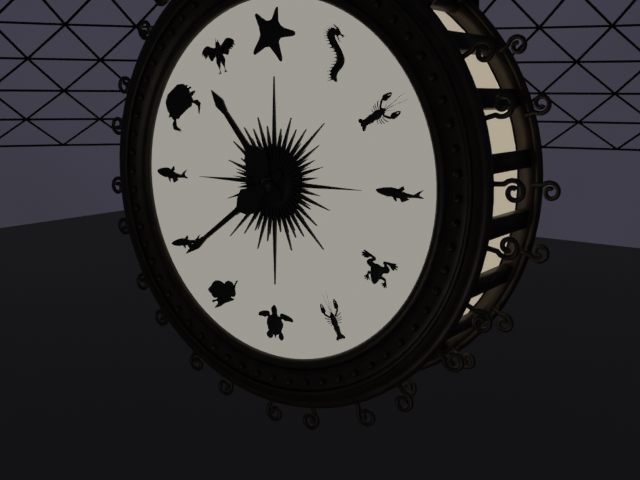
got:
10:39
